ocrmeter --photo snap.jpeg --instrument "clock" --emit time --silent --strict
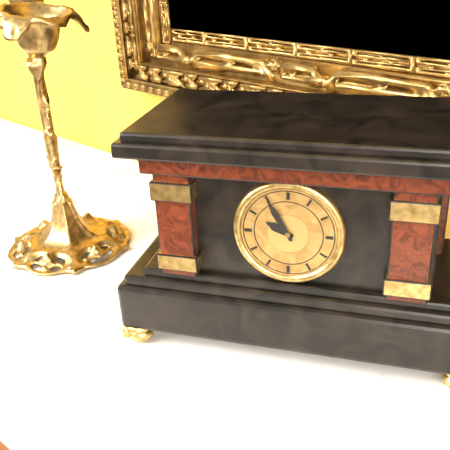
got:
9:55
